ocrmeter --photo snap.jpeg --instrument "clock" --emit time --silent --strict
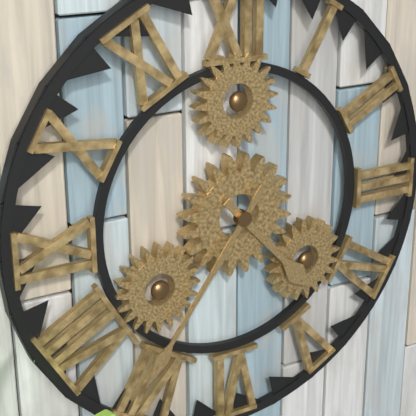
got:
4:36
